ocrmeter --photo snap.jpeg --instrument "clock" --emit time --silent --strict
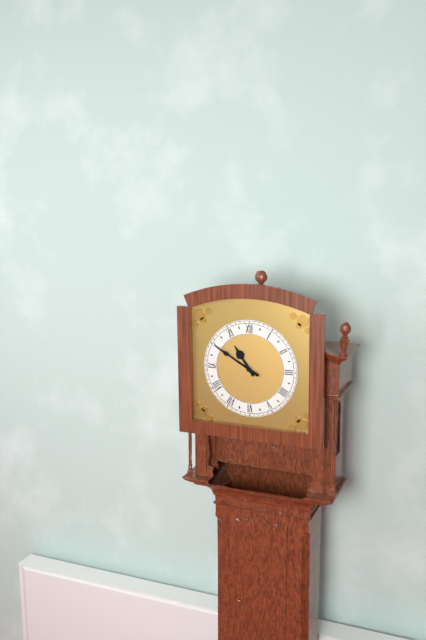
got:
10:50
